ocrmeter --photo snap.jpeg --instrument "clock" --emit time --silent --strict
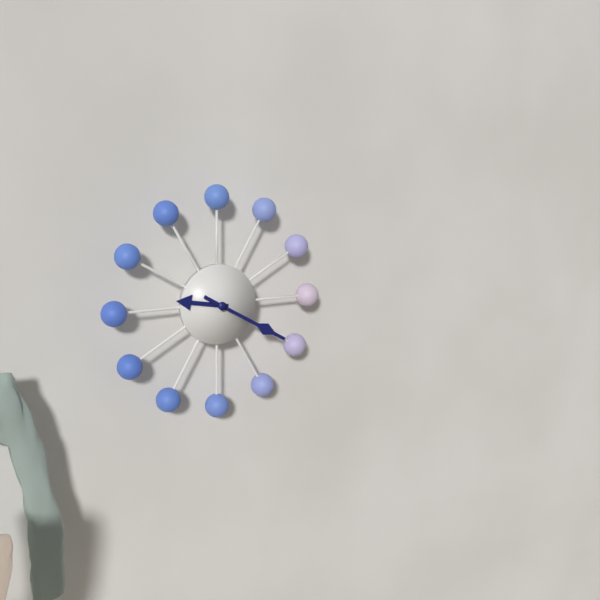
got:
9:20
